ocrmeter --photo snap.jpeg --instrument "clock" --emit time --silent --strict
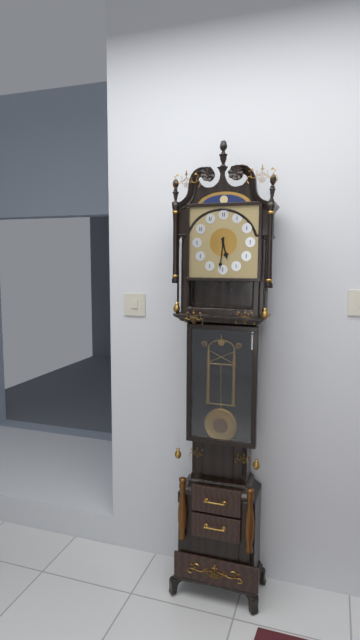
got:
5:31
